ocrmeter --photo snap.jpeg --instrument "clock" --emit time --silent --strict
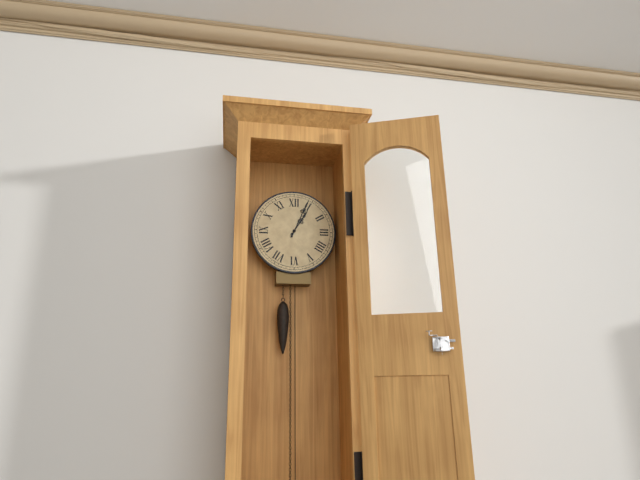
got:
1:04
